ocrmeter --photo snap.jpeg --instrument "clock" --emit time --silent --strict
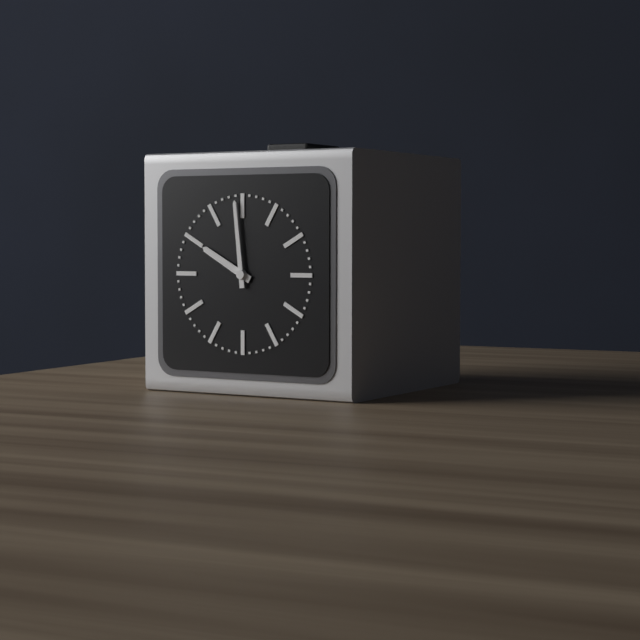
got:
9:59
